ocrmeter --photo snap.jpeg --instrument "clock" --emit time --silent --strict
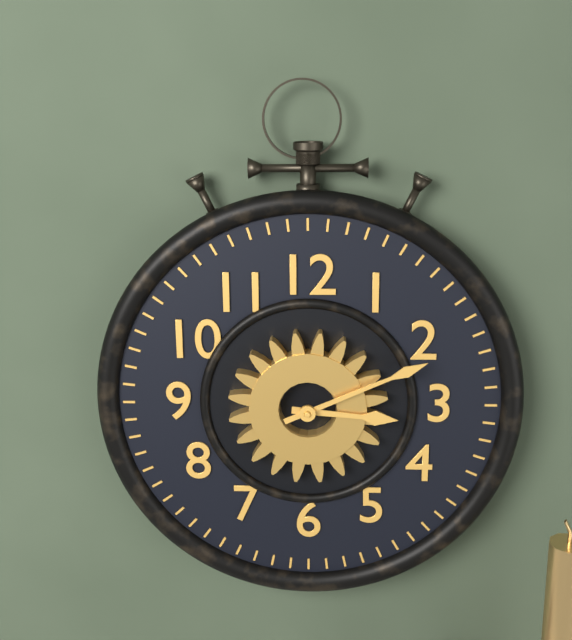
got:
3:11
